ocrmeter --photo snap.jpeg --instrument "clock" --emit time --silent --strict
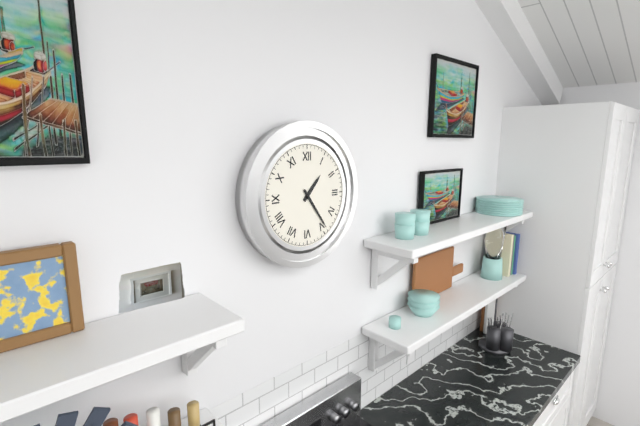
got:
1:24
